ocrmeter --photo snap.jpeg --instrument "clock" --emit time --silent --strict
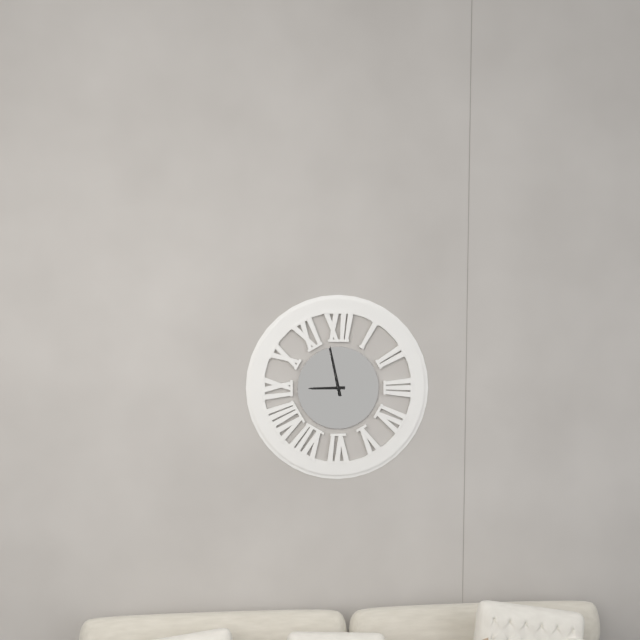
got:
8:58
